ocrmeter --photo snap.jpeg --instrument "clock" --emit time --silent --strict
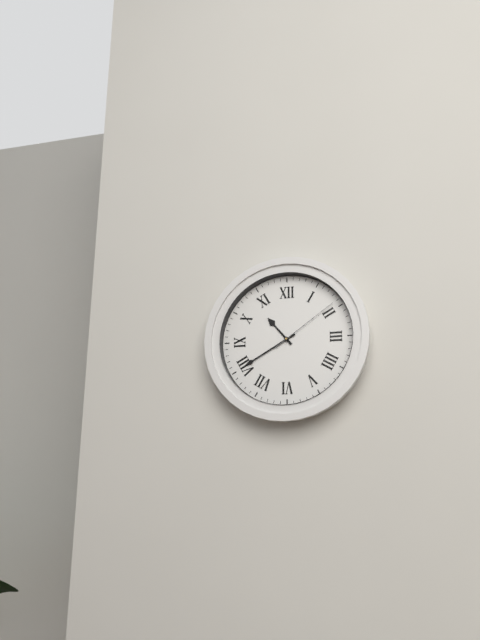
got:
10:40:09
